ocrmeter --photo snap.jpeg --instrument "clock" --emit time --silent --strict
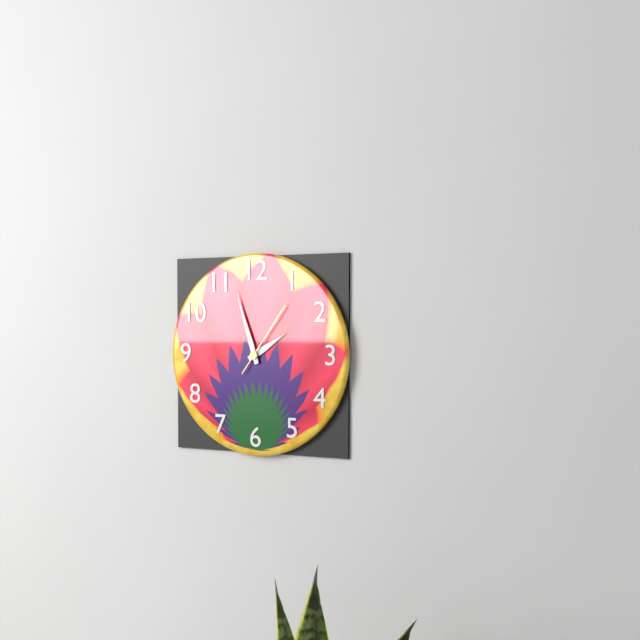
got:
1:57:06
